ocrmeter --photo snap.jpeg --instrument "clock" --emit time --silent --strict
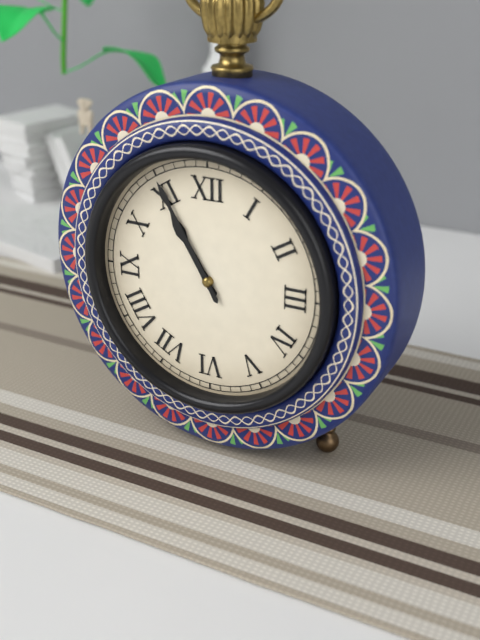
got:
10:55
